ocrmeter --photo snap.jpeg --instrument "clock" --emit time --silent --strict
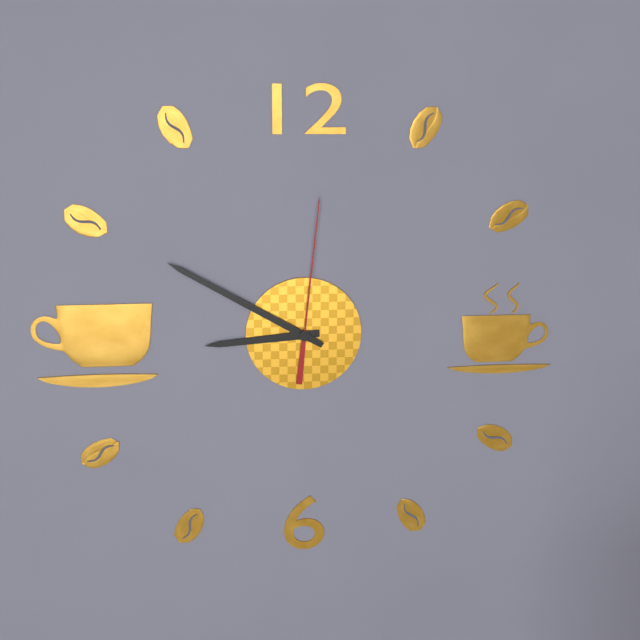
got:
8:50:01
